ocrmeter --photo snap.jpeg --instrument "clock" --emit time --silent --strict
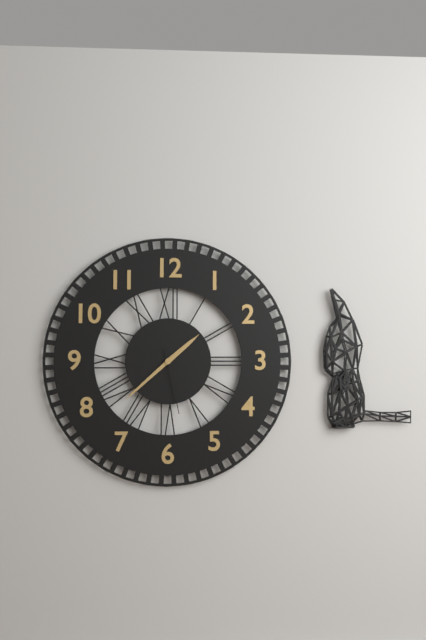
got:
1:38:28
